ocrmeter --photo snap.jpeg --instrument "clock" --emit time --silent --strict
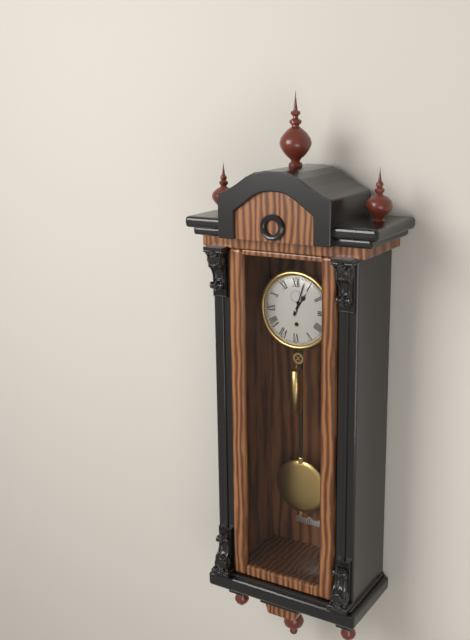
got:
1:03
